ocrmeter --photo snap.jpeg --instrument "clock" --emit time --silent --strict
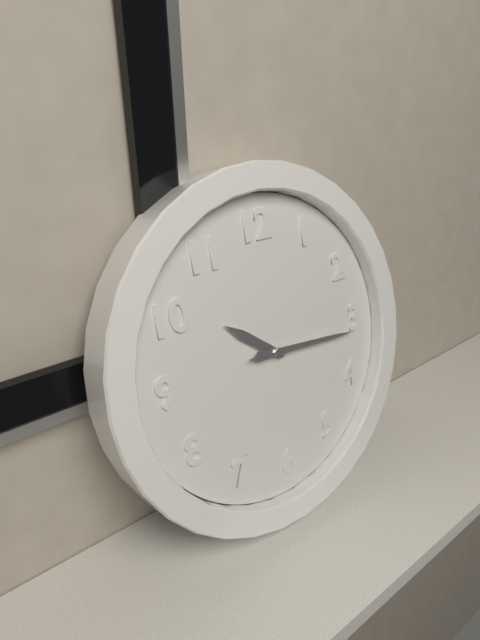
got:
10:16:16
